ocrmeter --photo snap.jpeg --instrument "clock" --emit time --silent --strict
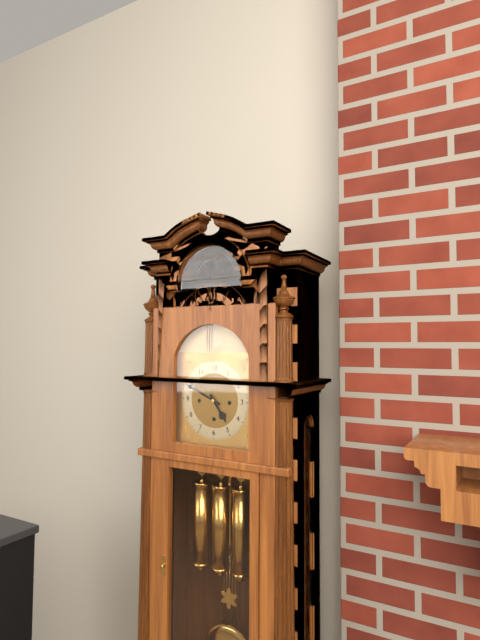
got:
4:49
